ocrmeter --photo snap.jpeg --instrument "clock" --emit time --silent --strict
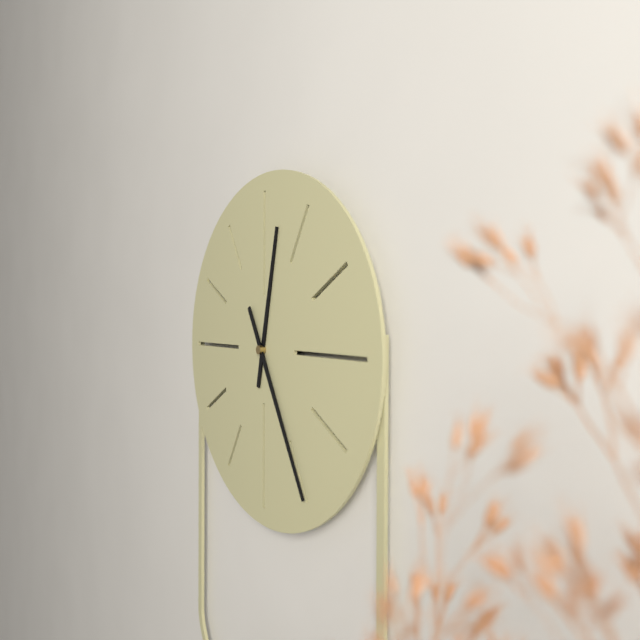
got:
12:25
